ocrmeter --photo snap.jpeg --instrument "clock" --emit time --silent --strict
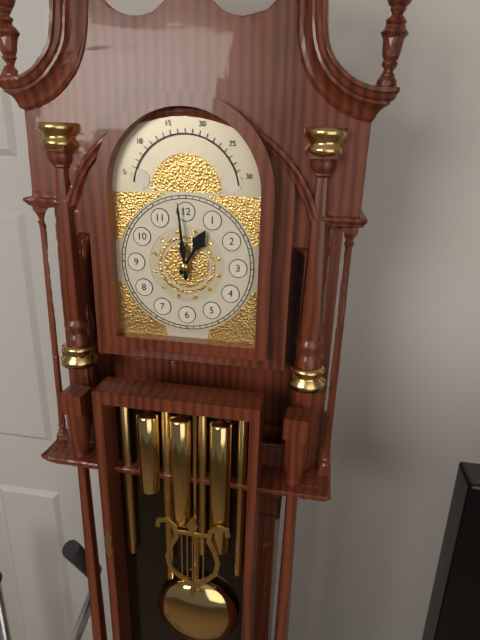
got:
12:59
